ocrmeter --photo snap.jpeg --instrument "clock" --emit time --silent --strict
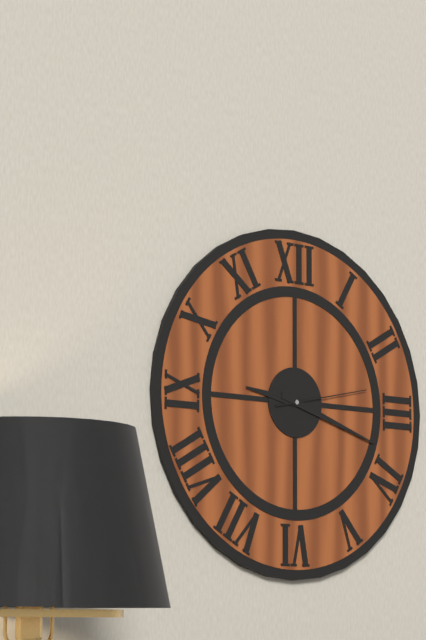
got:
9:18:13
